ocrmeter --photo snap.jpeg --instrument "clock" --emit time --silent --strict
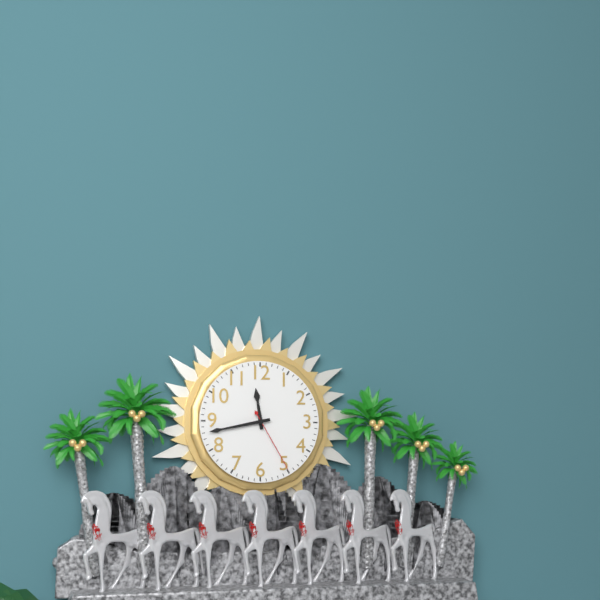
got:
11:43:25
